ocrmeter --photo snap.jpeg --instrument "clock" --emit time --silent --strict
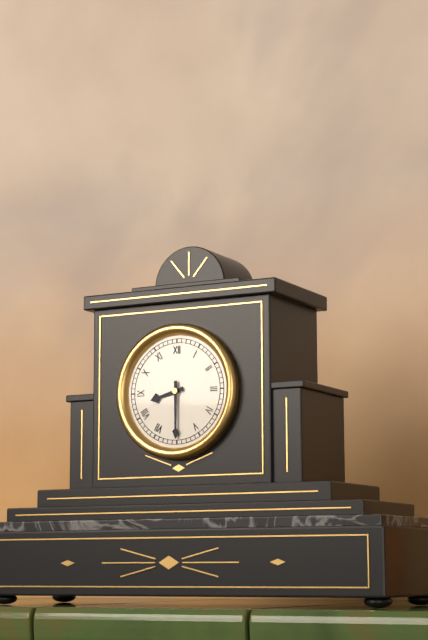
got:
8:30
